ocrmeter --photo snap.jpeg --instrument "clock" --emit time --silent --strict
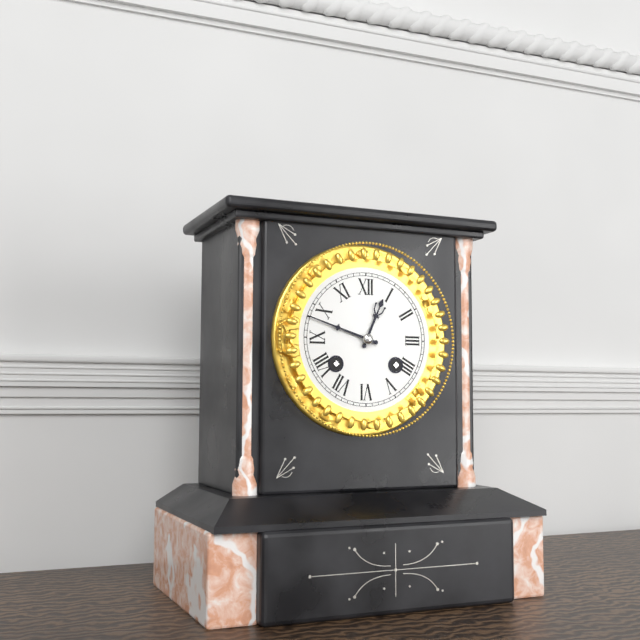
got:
12:48
